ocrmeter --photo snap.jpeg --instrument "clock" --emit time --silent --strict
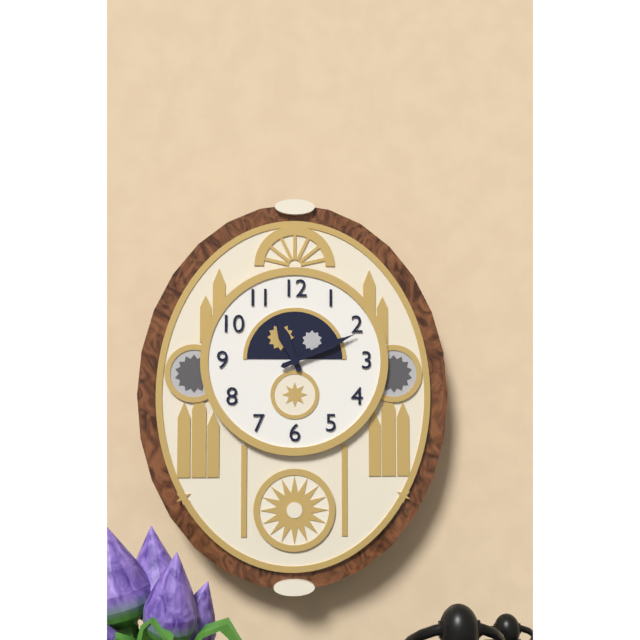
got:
11:11
